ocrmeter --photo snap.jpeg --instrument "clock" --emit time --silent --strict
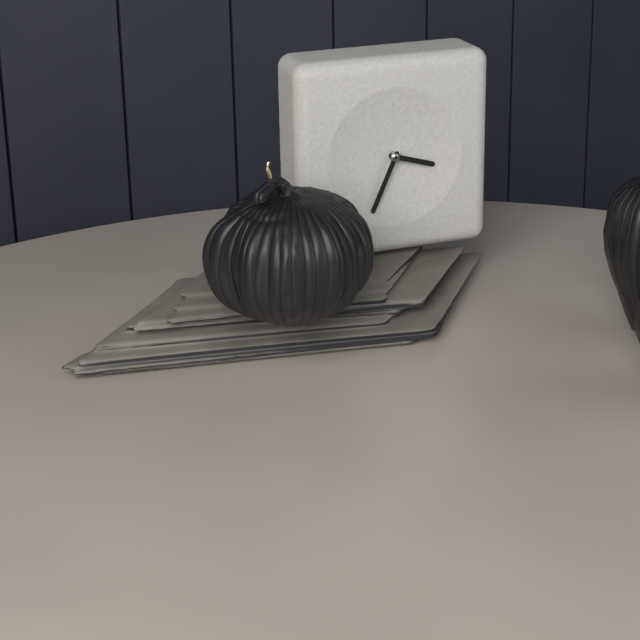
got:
3:34
